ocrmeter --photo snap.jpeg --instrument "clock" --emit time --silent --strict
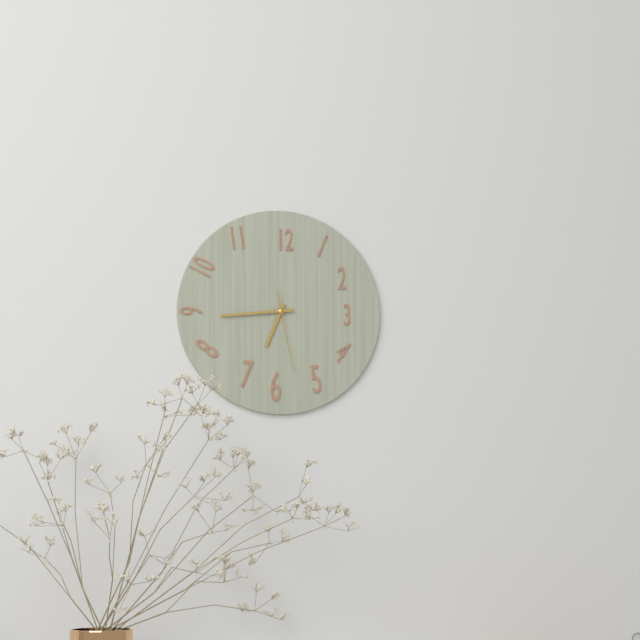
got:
6:44:28
